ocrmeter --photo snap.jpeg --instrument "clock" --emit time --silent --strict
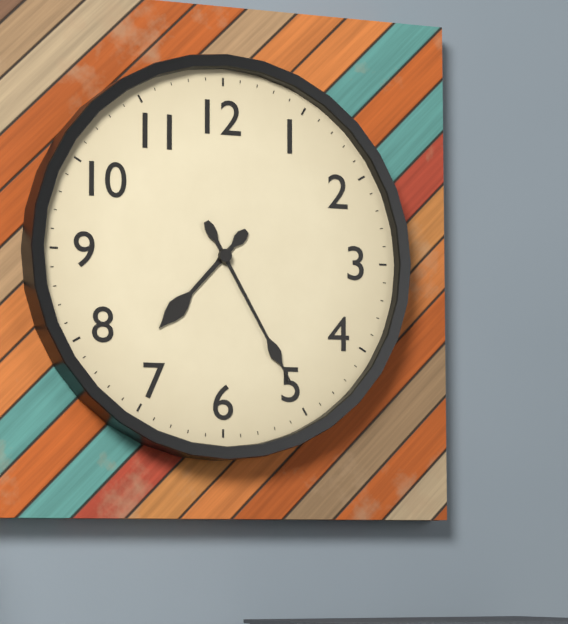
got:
7:25
